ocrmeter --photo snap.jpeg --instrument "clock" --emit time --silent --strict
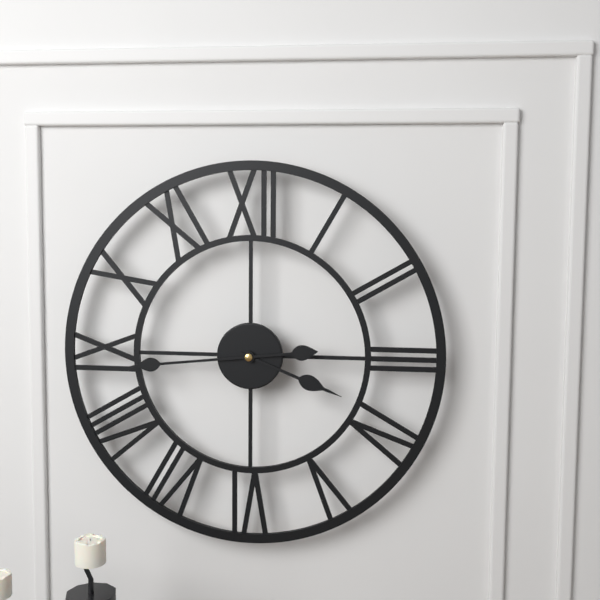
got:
3:44
